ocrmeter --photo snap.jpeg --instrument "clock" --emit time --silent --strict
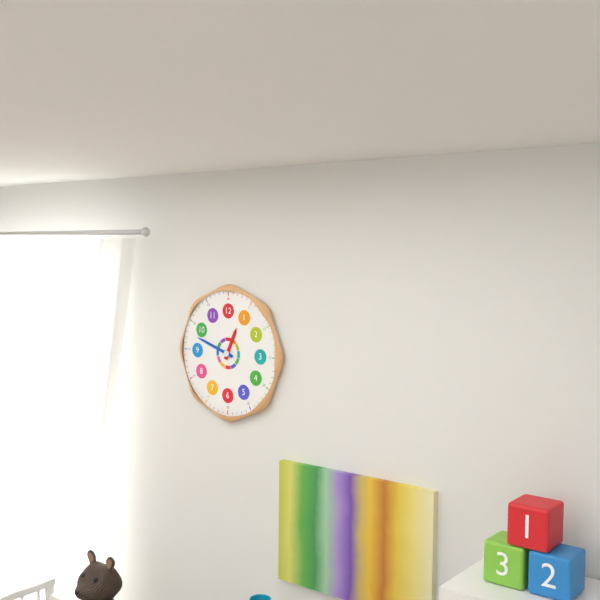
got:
12:48
